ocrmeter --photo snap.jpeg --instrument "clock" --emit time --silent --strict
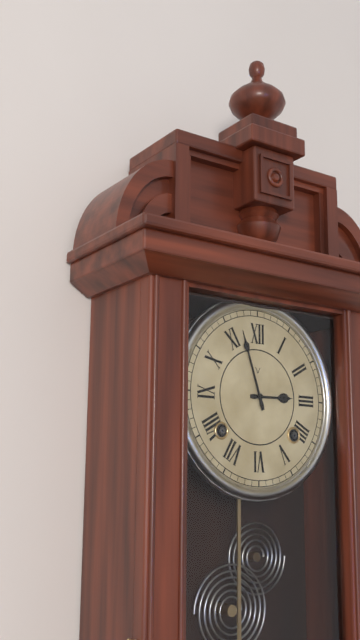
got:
2:57
